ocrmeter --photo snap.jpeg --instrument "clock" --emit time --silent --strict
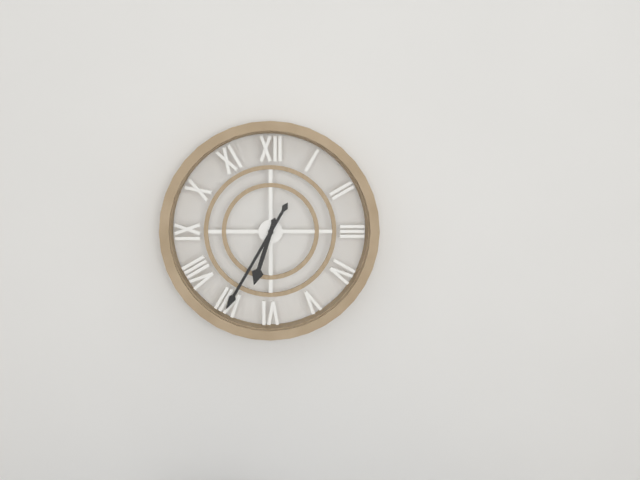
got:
6:35
